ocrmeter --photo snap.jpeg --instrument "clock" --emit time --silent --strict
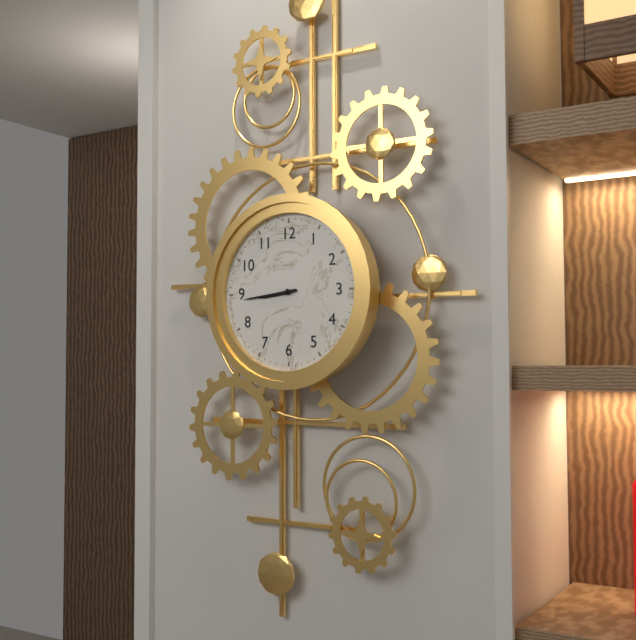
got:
8:44
